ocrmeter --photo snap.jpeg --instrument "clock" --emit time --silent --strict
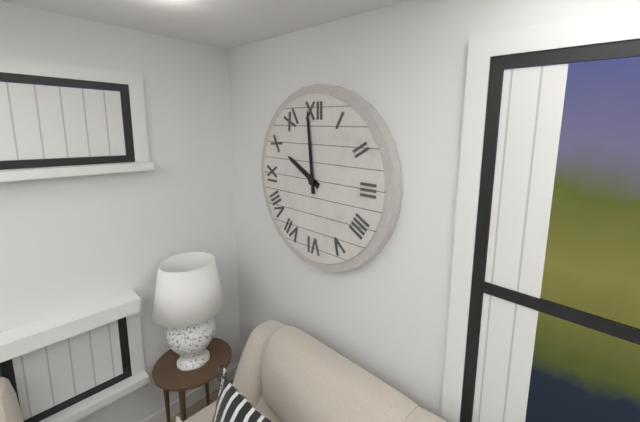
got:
9:59
